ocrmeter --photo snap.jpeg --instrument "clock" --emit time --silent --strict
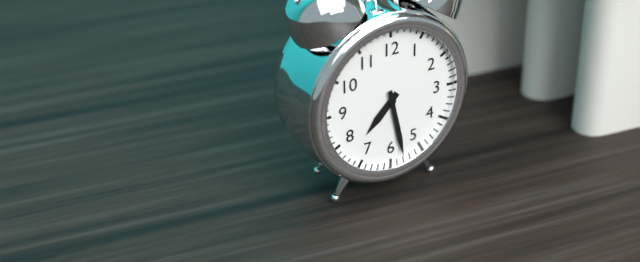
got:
7:28
